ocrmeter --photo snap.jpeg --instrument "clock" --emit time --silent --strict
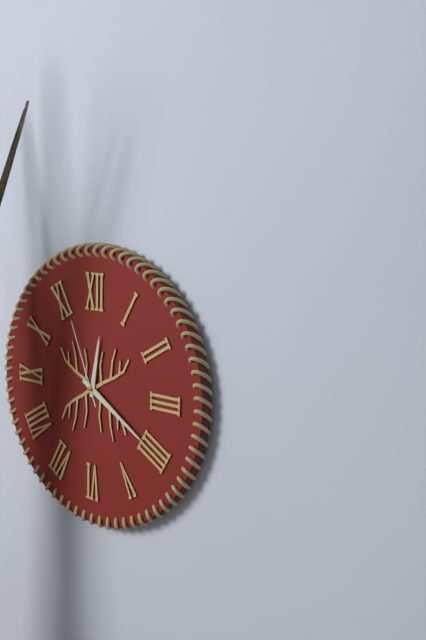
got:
12:20:56
